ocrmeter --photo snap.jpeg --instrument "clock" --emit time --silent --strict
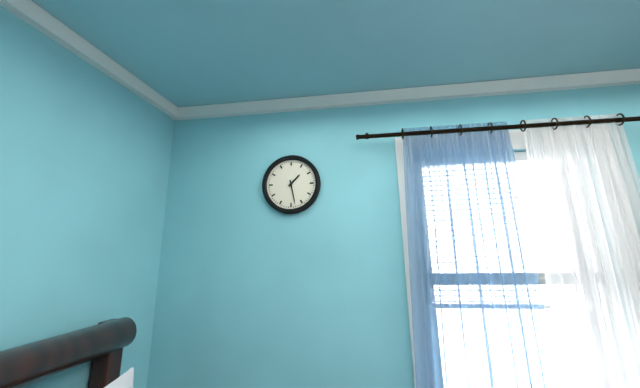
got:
1:28
